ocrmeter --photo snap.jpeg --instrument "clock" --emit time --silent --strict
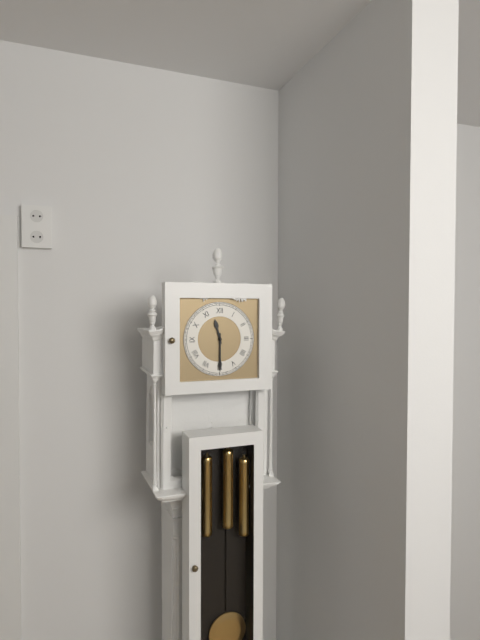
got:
11:30
